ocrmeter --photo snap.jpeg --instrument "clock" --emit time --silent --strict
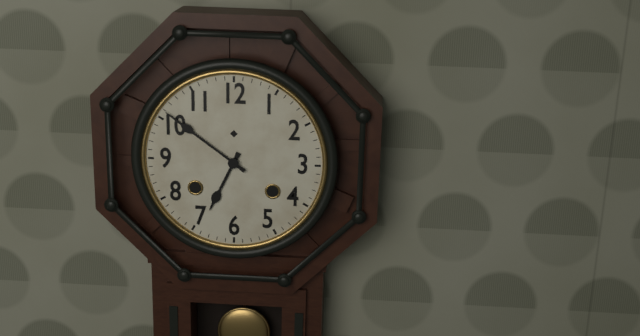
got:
6:51
